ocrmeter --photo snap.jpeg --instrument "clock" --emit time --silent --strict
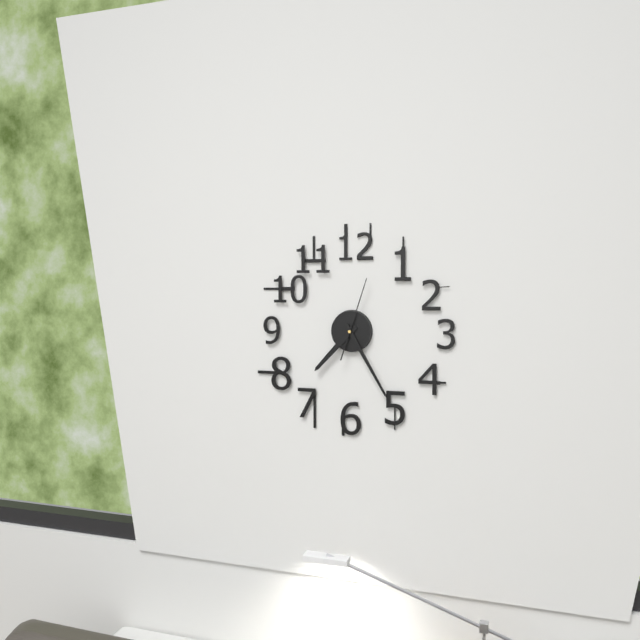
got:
7:25:03
